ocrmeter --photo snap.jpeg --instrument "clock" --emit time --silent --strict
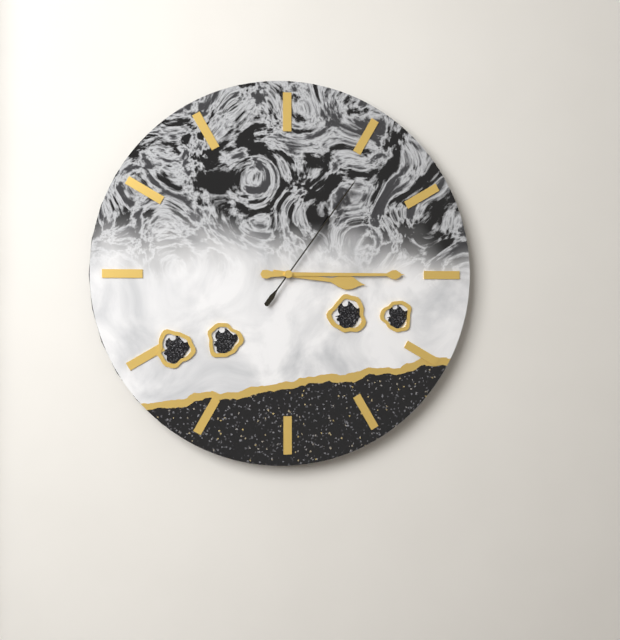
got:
3:15:06
